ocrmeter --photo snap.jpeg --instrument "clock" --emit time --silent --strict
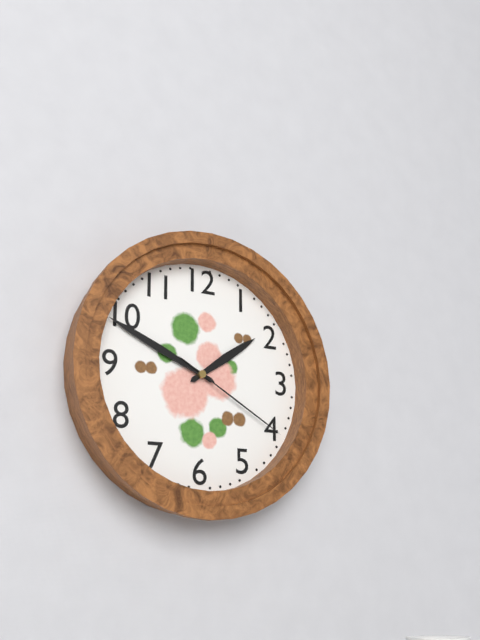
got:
1:49:20
